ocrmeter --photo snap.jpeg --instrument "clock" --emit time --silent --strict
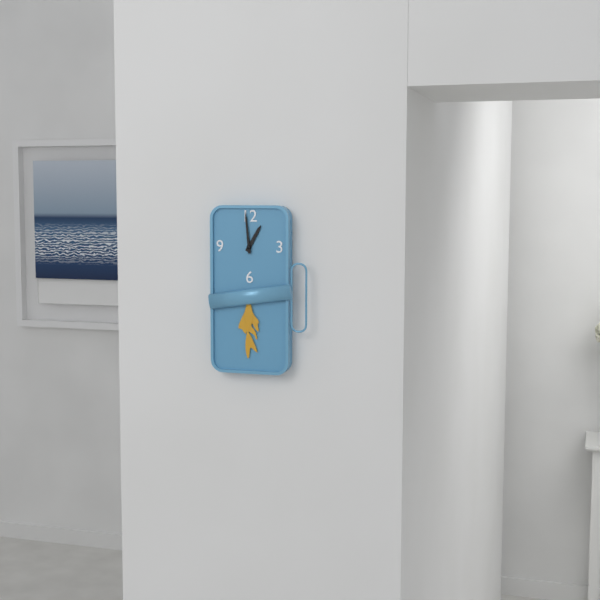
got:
12:59
